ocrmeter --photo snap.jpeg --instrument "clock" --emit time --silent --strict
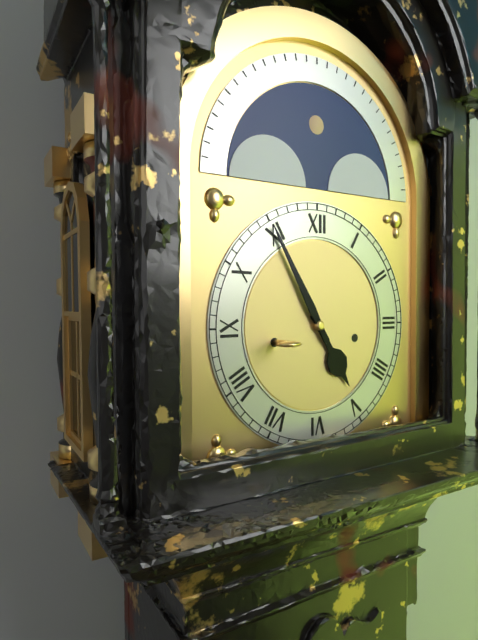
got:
4:55
